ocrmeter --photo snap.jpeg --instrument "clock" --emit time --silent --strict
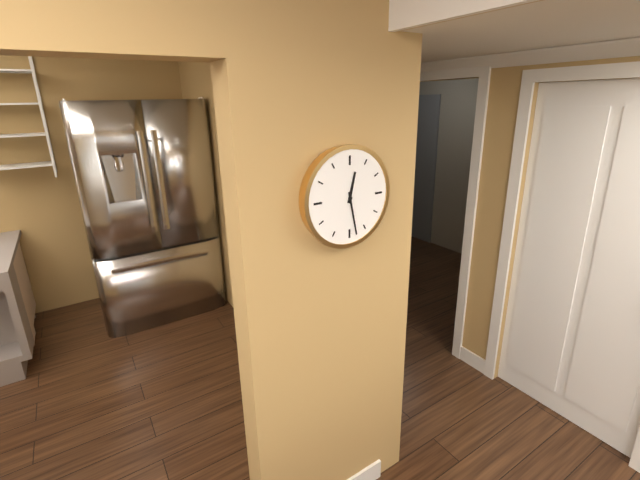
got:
12:28
